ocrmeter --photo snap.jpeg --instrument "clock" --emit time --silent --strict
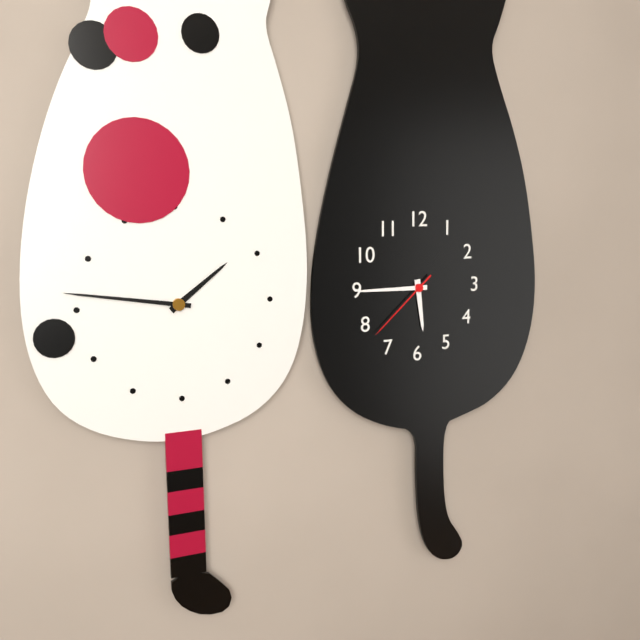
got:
5:45:38
